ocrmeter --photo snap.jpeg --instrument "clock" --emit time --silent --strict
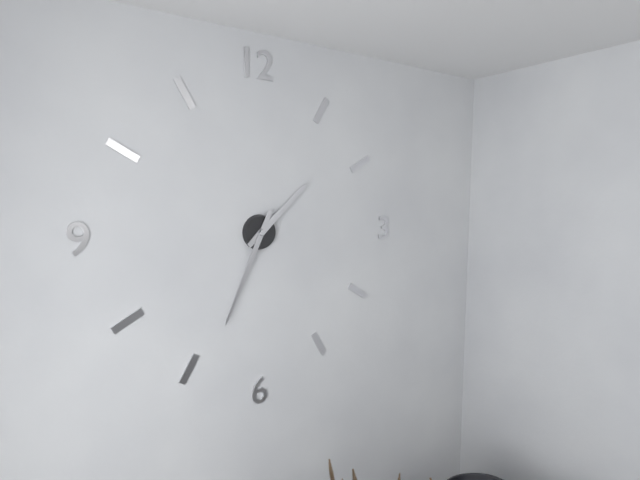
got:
1:34
